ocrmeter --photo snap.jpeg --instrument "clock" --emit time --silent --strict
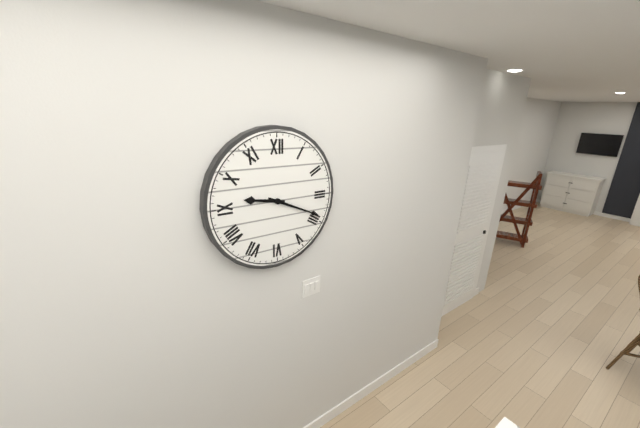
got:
9:19
